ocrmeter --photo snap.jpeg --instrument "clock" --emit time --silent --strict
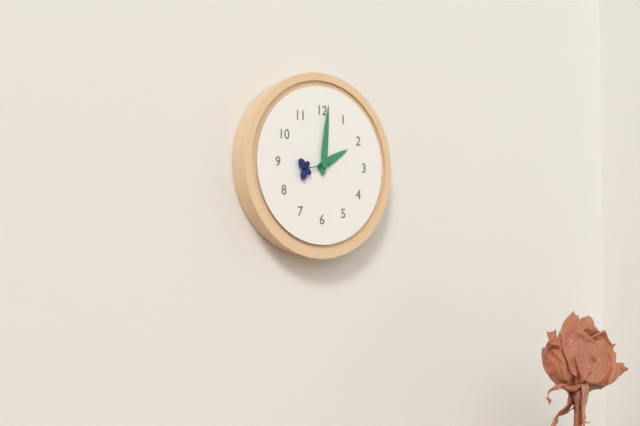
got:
2:01
